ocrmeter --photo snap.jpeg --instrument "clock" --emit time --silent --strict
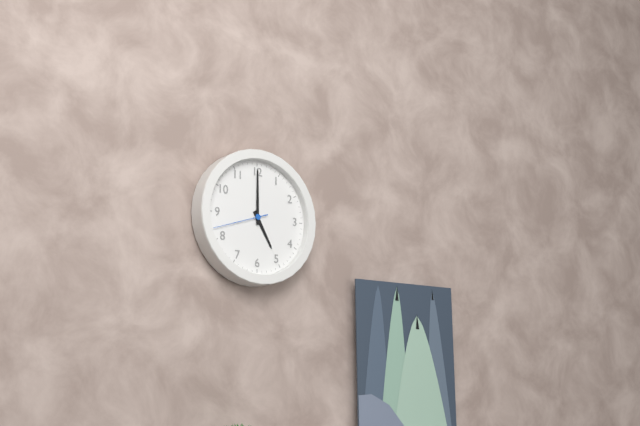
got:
5:00:42
